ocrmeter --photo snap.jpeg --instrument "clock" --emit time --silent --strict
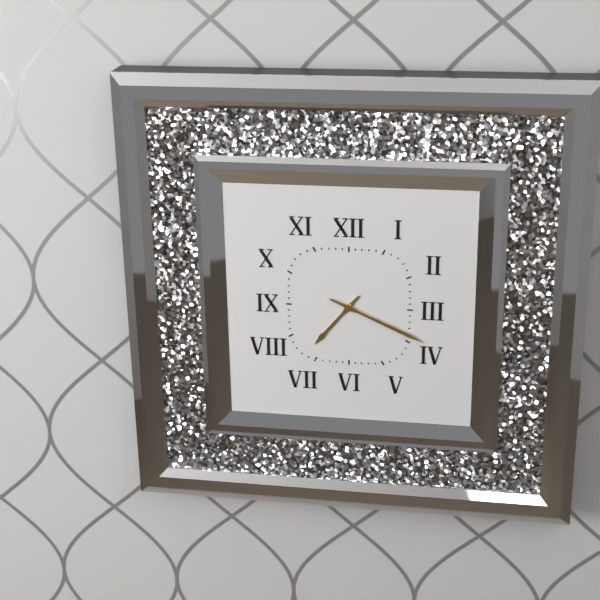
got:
7:19
